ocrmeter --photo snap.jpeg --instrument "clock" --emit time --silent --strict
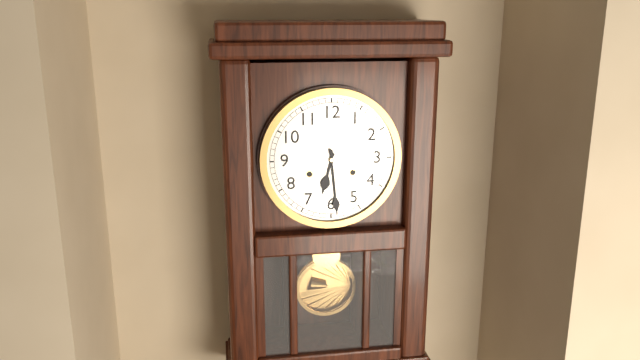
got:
6:29
